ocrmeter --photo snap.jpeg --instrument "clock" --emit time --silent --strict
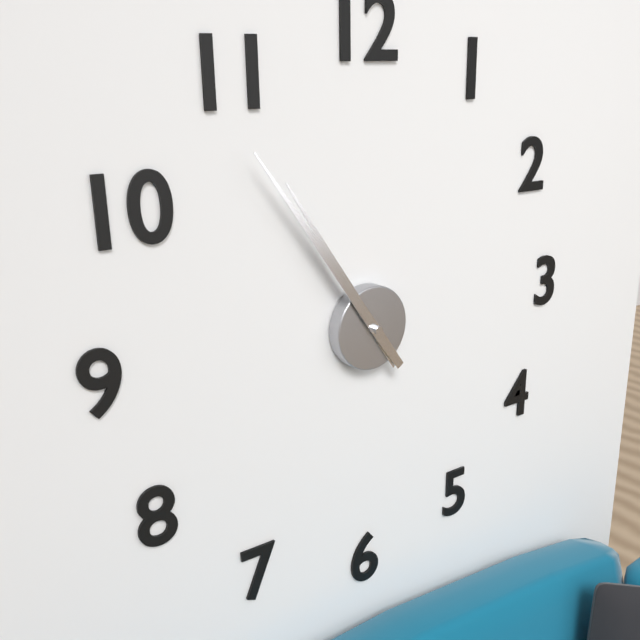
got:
10:54
